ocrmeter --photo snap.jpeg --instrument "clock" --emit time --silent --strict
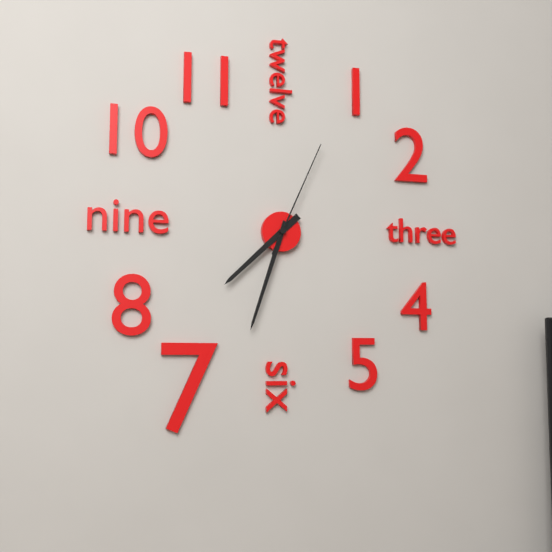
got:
7:33:04
